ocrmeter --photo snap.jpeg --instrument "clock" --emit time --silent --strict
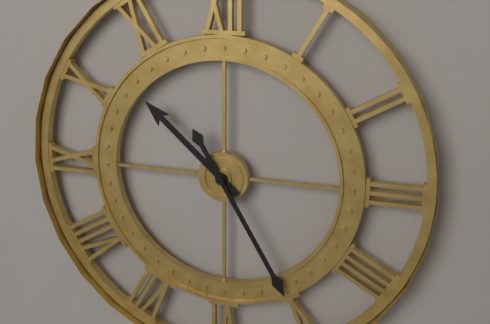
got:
10:25
